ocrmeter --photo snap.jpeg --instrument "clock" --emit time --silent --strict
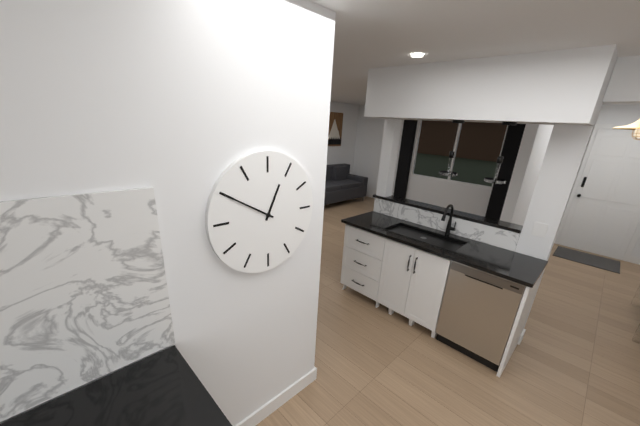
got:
12:50
